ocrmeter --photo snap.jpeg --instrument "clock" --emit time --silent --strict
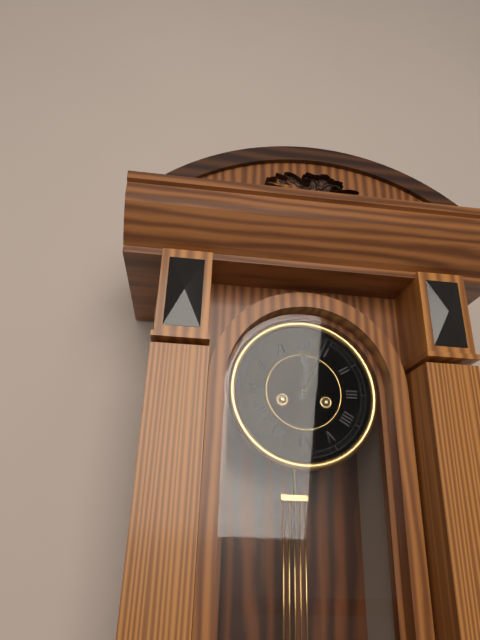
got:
12:04
